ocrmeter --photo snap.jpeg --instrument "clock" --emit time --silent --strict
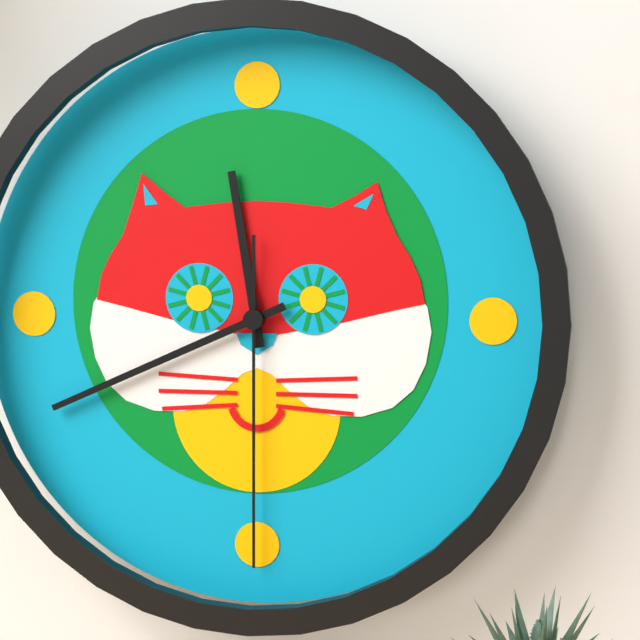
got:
11:41:30
